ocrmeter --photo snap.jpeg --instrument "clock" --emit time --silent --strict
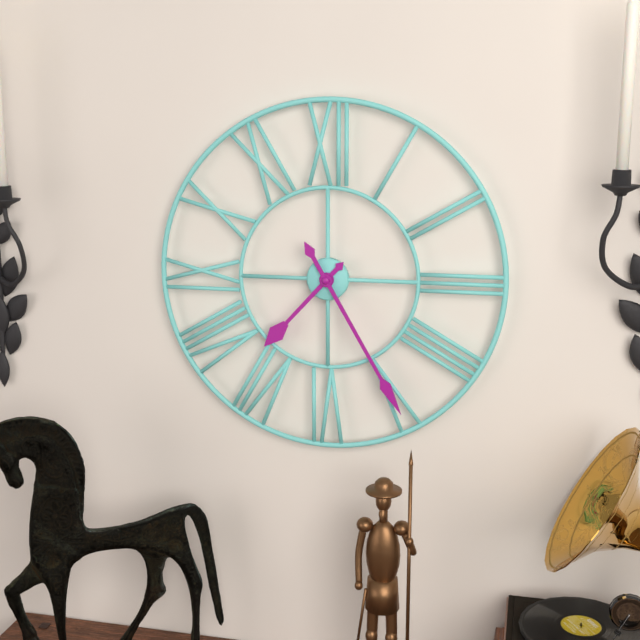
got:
7:25
